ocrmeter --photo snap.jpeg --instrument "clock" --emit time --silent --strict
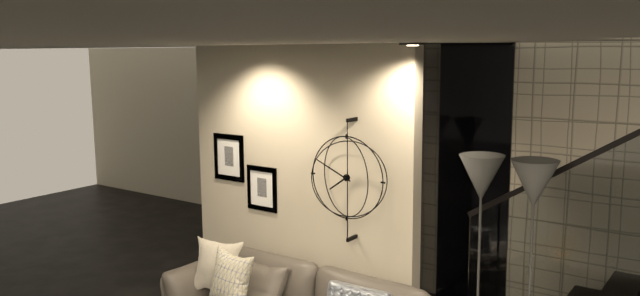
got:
7:49
